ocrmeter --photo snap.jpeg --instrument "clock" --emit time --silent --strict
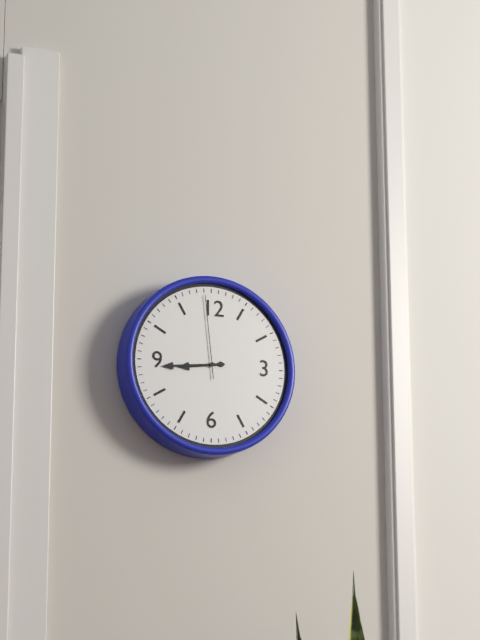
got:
8:44:59
